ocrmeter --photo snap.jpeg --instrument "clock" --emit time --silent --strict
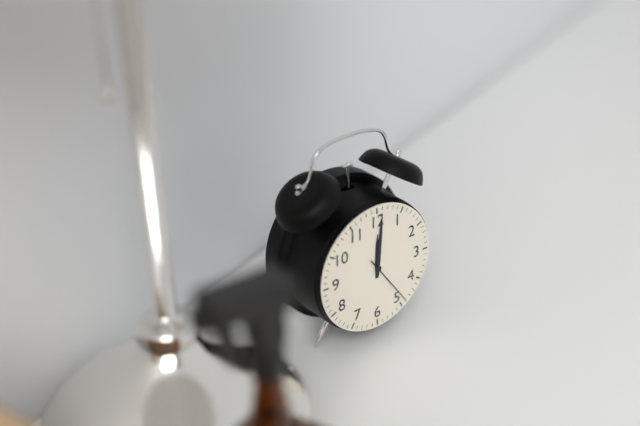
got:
12:01:24
